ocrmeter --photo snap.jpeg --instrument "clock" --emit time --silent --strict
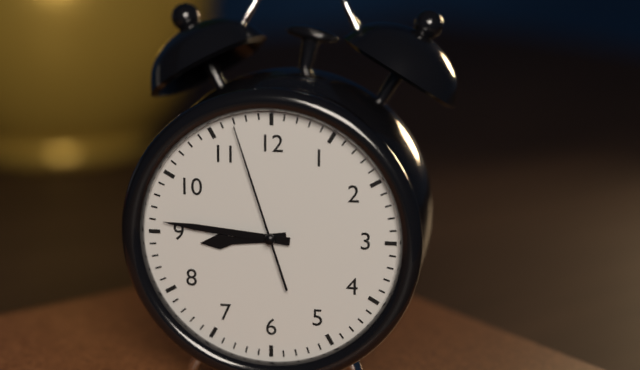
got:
8:46:57
